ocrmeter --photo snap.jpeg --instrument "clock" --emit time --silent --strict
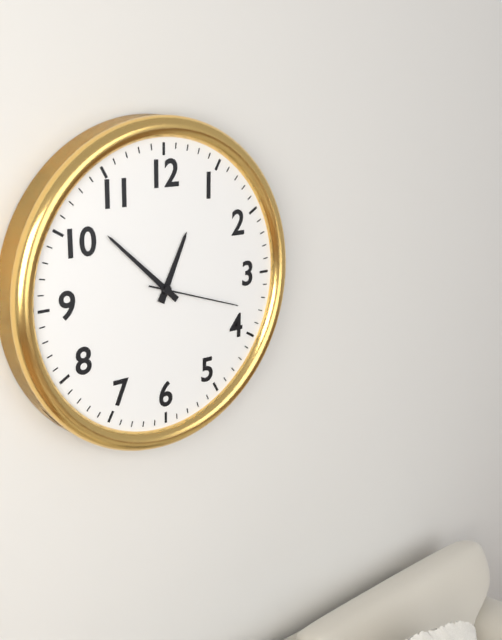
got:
12:52:18
